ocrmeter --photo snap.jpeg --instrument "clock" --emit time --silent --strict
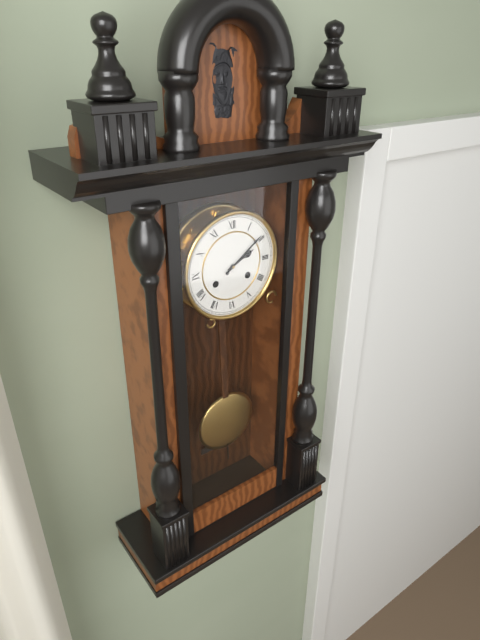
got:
2:09
